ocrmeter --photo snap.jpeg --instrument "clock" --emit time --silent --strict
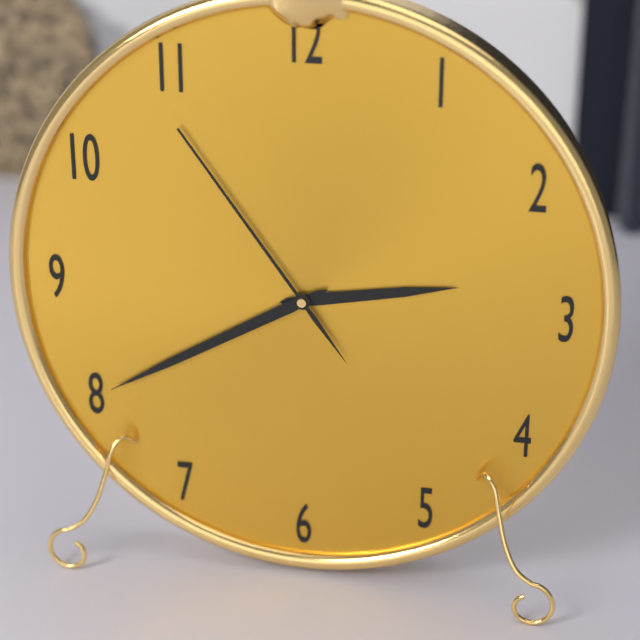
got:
2:40:54
